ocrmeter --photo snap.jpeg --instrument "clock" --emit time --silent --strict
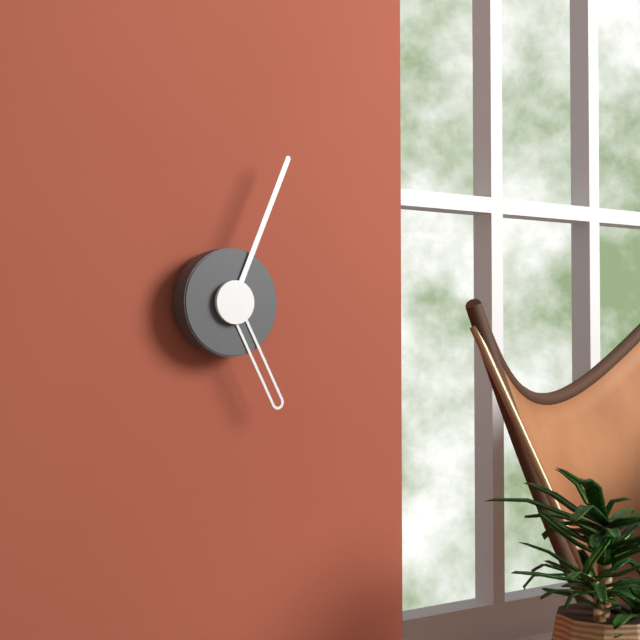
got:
5:04
